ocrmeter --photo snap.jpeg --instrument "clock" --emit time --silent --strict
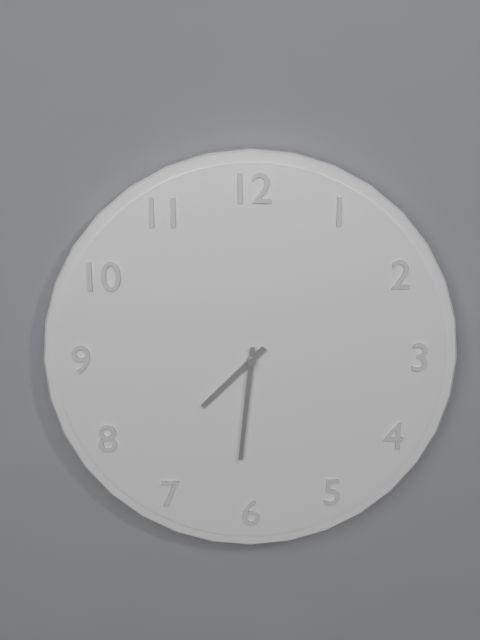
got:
7:31
